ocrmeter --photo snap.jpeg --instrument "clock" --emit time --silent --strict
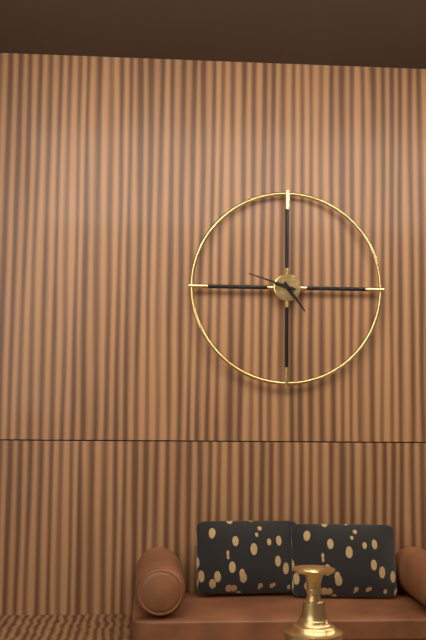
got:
4:48
